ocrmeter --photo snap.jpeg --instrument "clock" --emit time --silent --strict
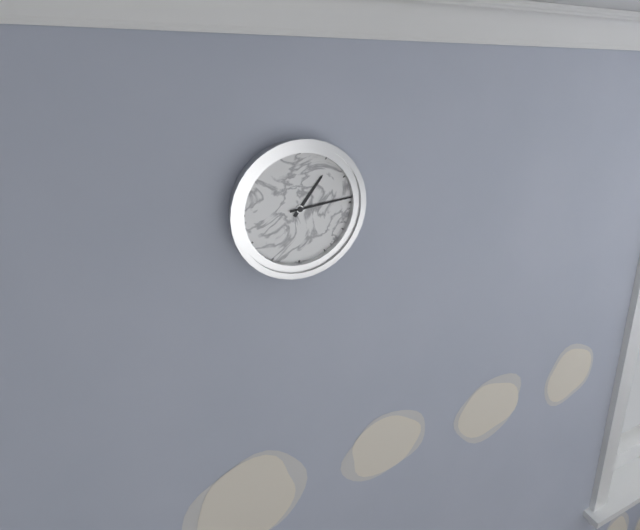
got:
1:14
